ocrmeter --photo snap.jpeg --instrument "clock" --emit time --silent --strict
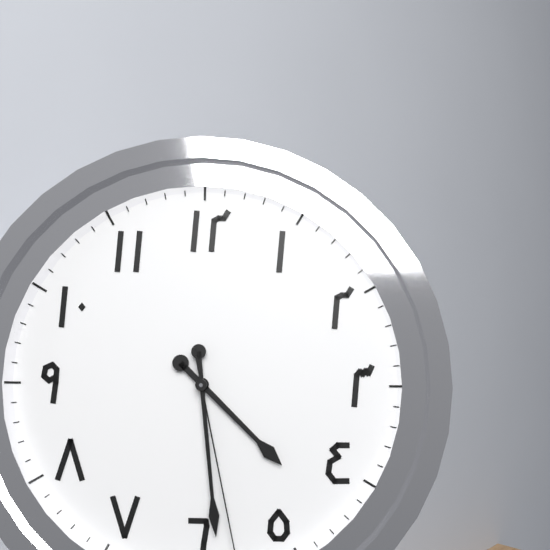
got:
4:29
